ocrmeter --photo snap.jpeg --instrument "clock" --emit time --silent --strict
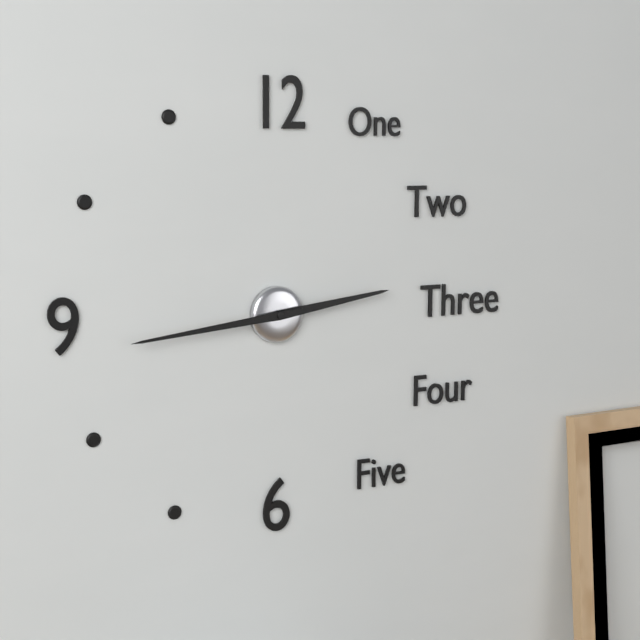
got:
2:44
